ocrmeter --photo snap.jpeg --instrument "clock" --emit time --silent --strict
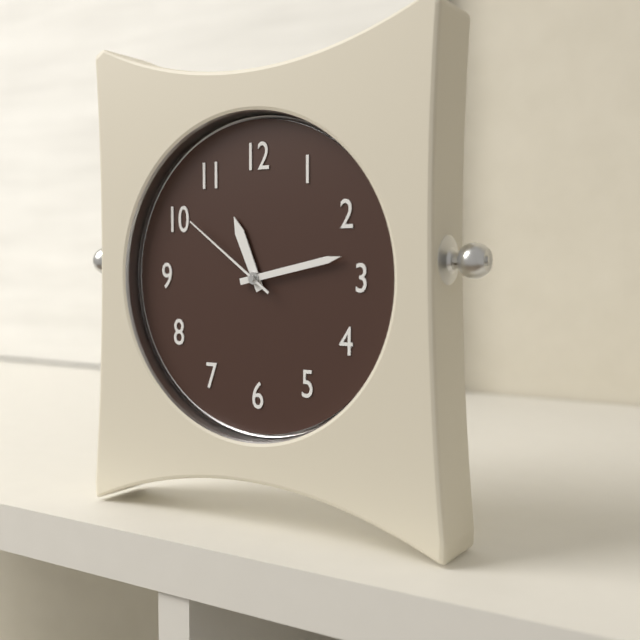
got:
11:13:51
